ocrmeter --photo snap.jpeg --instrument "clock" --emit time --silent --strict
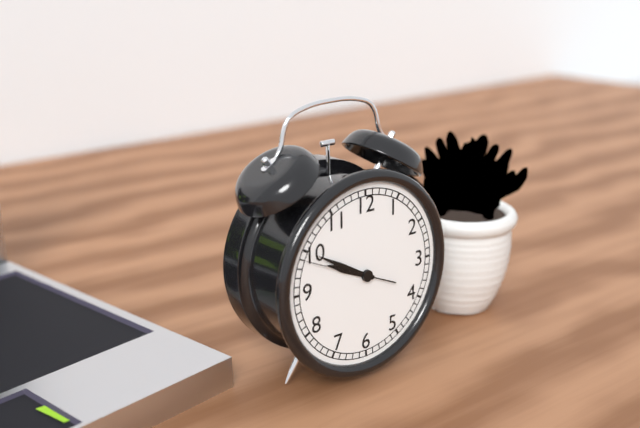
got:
9:50:49
